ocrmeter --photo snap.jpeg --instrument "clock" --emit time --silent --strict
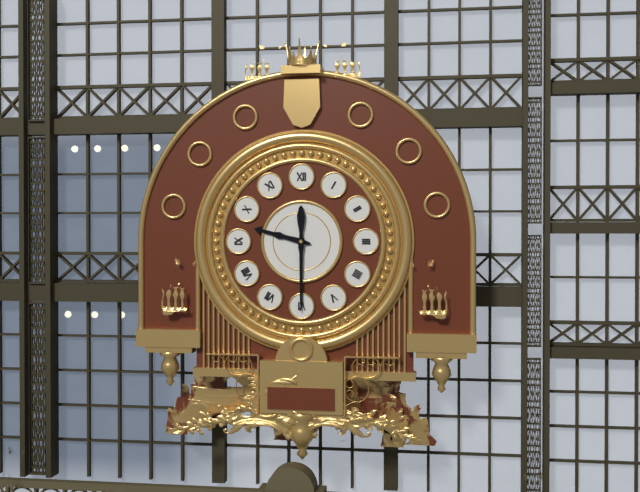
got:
9:30
